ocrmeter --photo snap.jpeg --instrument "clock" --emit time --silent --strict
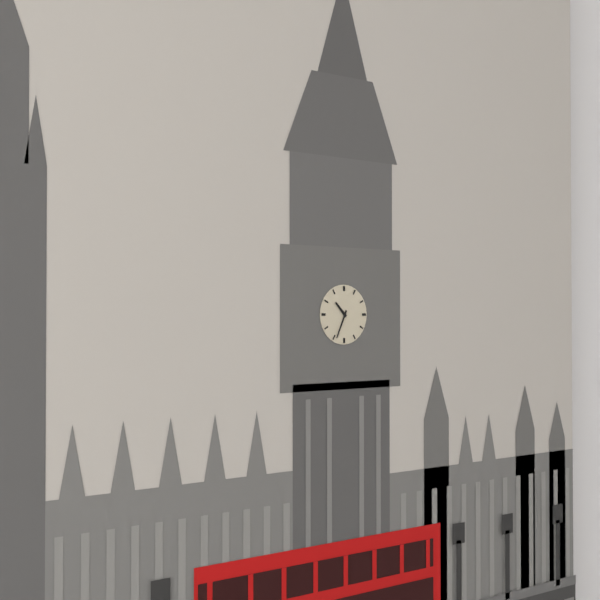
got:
10:34
